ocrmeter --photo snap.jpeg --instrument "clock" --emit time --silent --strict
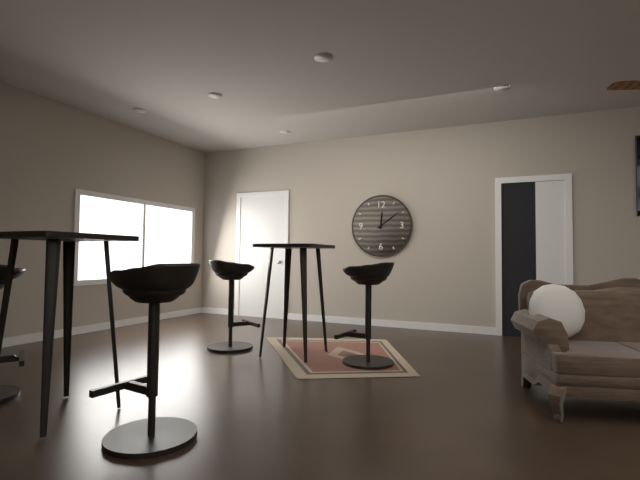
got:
12:09
